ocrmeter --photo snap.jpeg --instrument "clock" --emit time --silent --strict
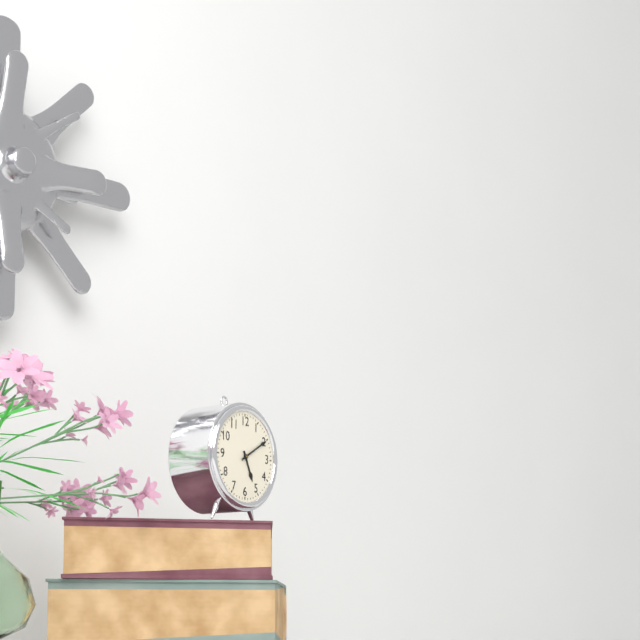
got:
5:10
